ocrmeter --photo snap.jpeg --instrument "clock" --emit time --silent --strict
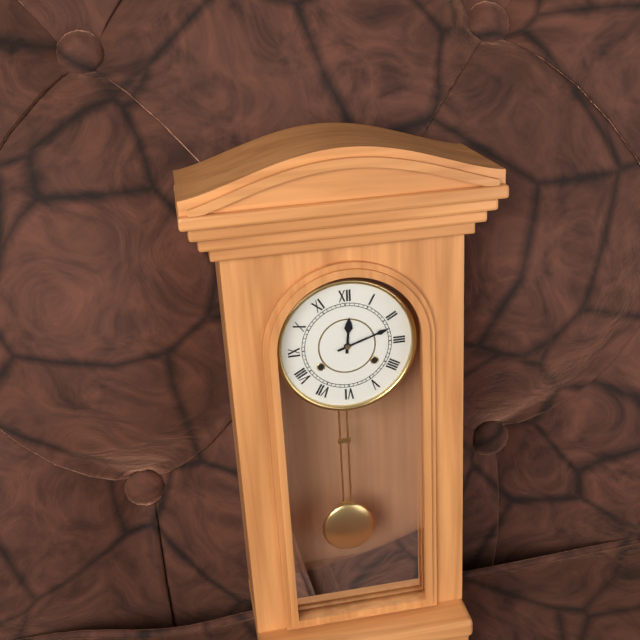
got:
12:12
